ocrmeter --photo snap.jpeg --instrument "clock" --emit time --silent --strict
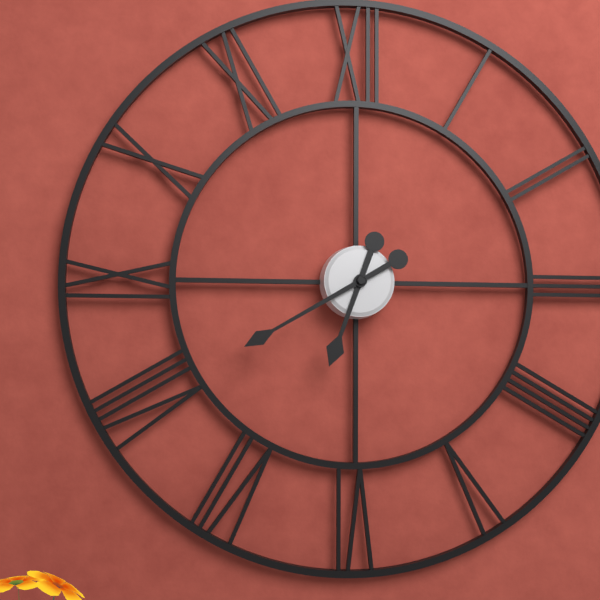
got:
6:40
